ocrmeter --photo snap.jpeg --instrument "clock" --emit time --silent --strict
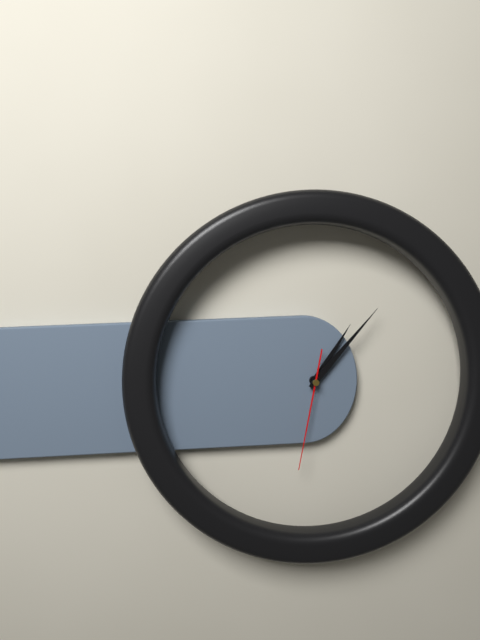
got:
1:07:32
